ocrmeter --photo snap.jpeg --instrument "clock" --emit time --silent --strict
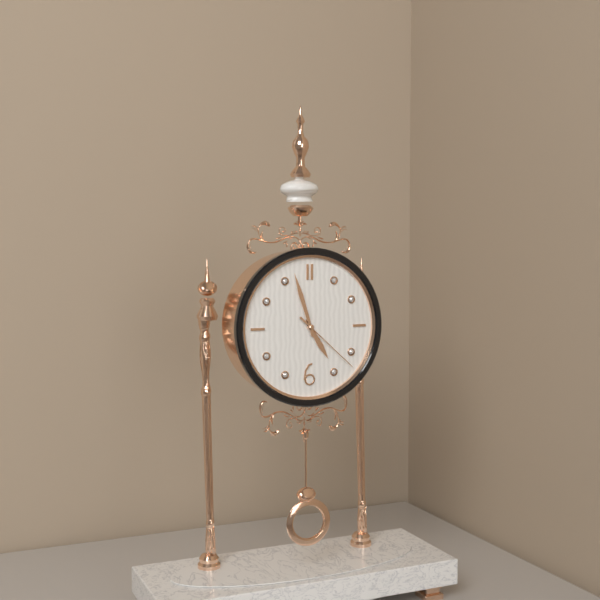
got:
4:57:22
